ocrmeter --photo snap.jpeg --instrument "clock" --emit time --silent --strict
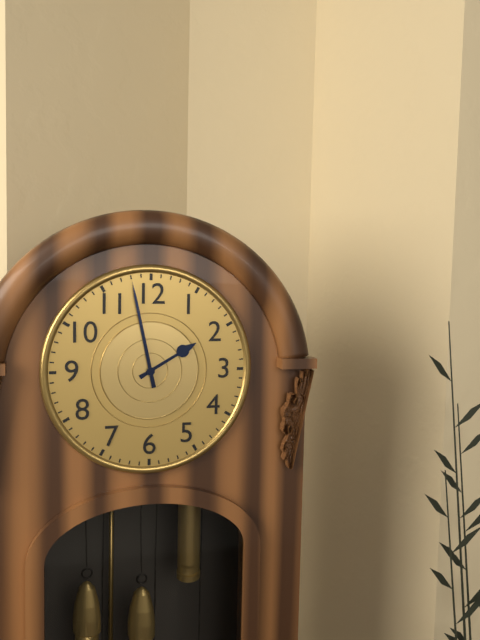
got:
1:58
